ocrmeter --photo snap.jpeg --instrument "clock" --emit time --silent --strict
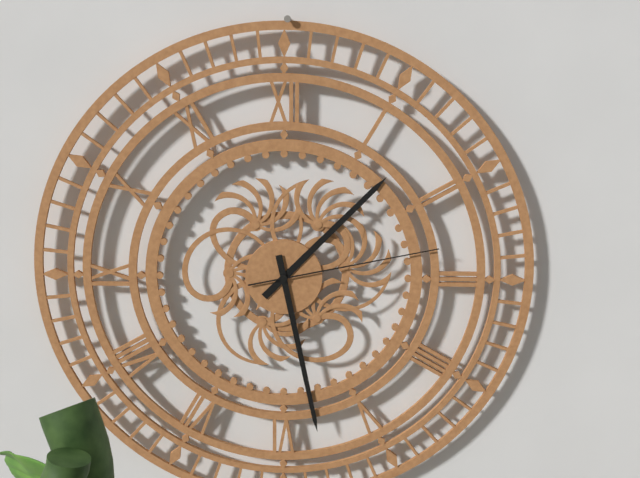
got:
1:28:13
